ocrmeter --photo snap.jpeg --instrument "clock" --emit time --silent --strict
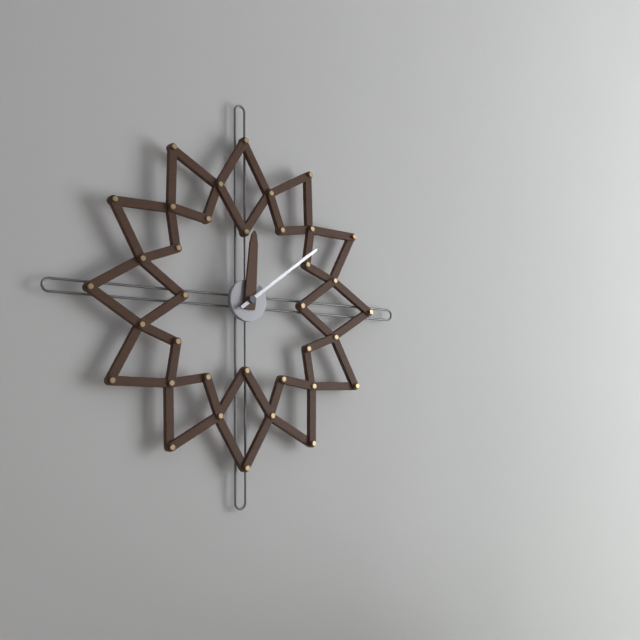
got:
12:09
